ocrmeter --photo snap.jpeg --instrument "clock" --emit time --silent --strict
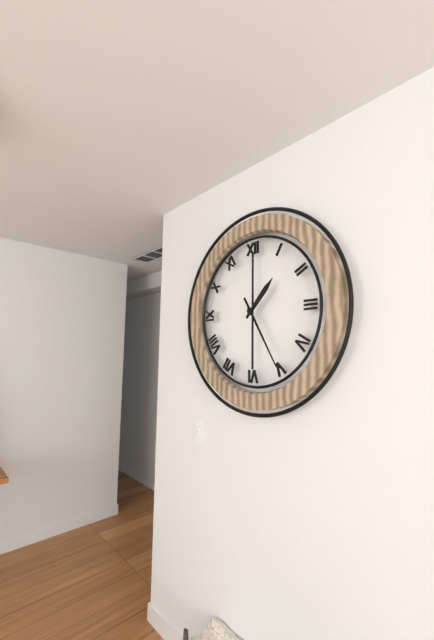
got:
1:25
